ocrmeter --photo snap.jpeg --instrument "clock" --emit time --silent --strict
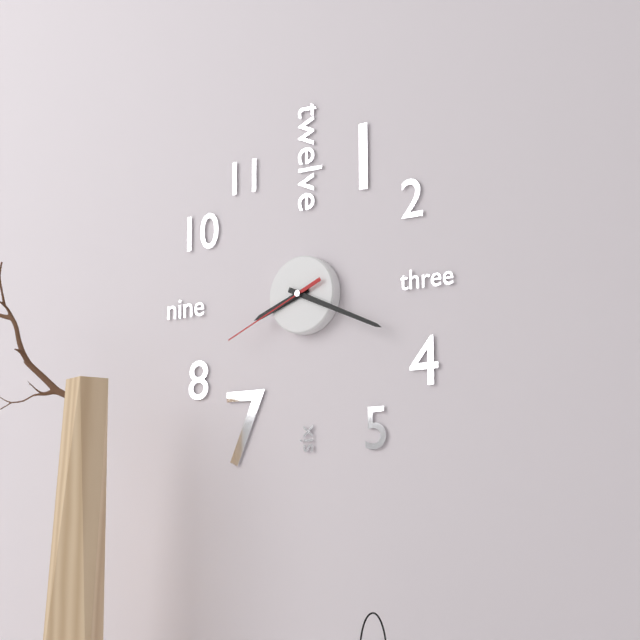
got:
8:19:41
